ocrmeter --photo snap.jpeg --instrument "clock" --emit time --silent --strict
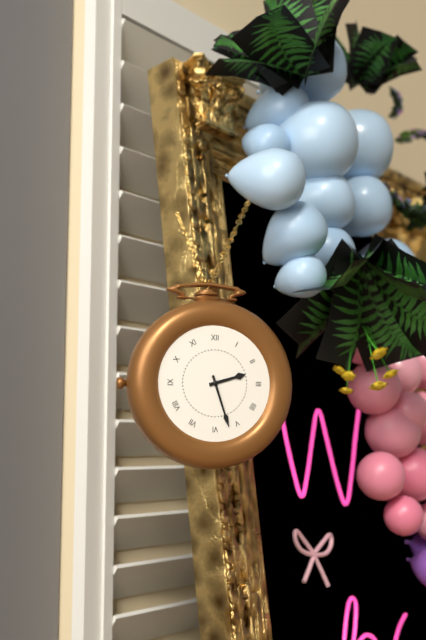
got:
2:27
